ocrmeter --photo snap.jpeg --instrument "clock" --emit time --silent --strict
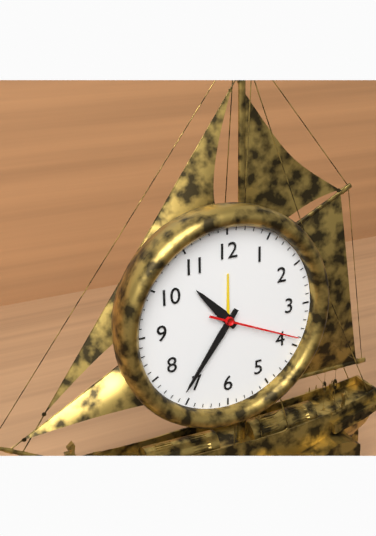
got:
10:36:19
